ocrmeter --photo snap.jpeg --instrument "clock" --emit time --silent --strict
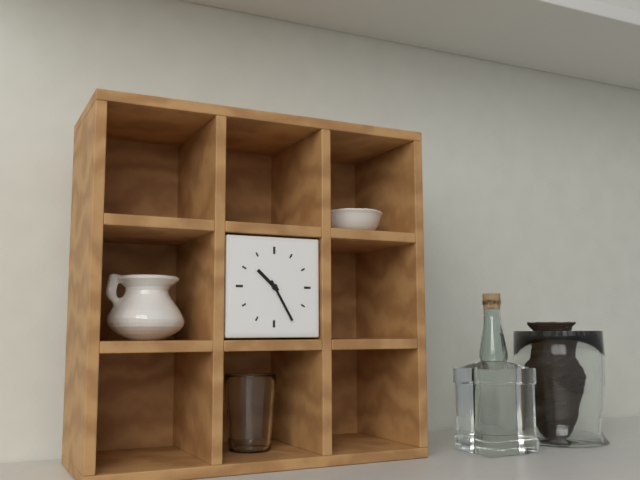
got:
10:25
